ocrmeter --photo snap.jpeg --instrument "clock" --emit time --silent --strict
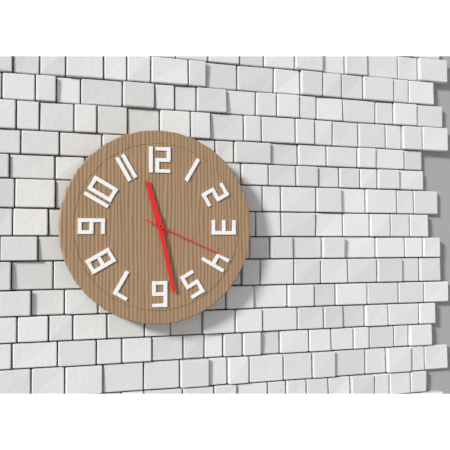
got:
11:28:19
